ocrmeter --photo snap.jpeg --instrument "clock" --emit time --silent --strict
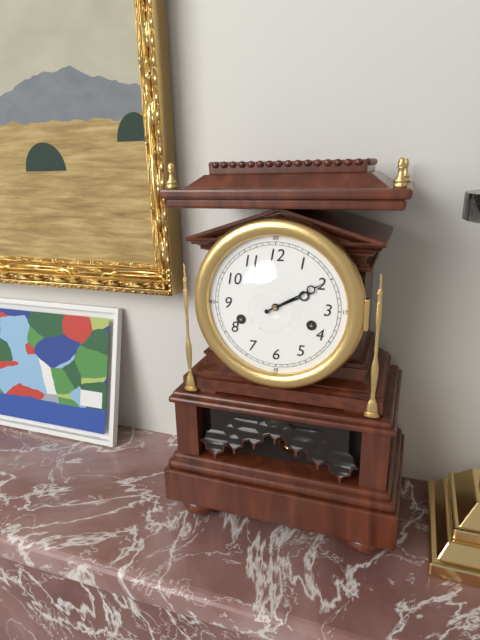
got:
2:10
